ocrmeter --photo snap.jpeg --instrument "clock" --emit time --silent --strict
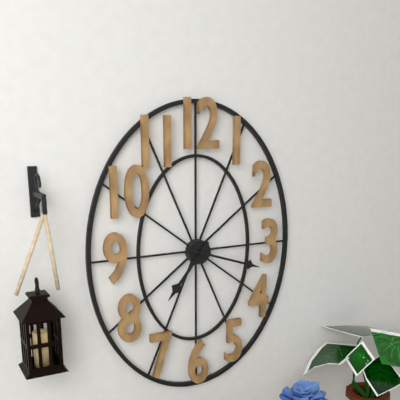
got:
7:18
